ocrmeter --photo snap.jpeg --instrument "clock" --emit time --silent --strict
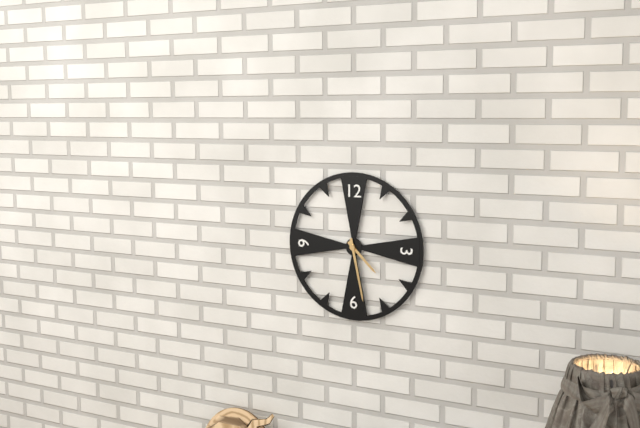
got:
4:28
